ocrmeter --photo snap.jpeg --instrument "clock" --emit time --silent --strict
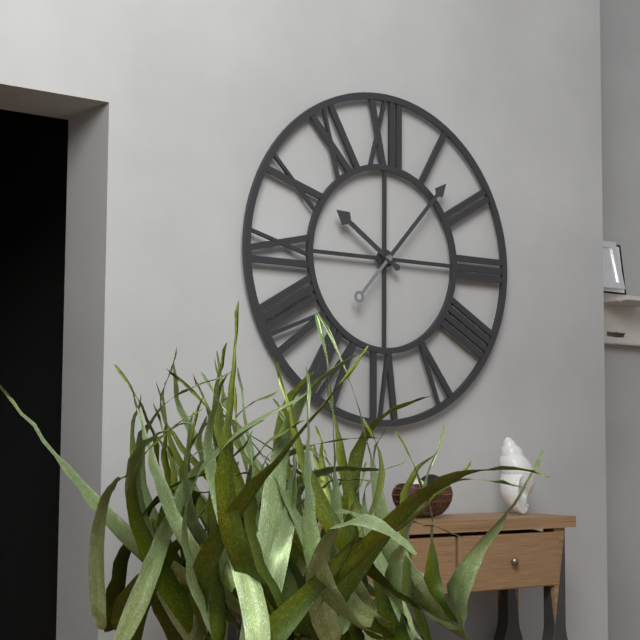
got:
10:07
